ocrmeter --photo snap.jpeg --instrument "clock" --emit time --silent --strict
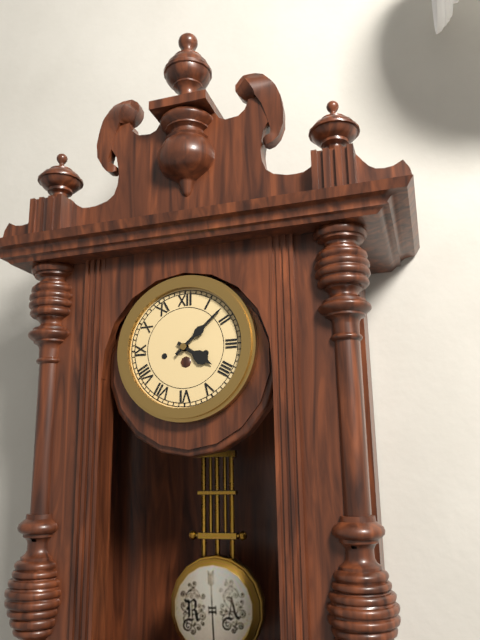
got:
4:08
